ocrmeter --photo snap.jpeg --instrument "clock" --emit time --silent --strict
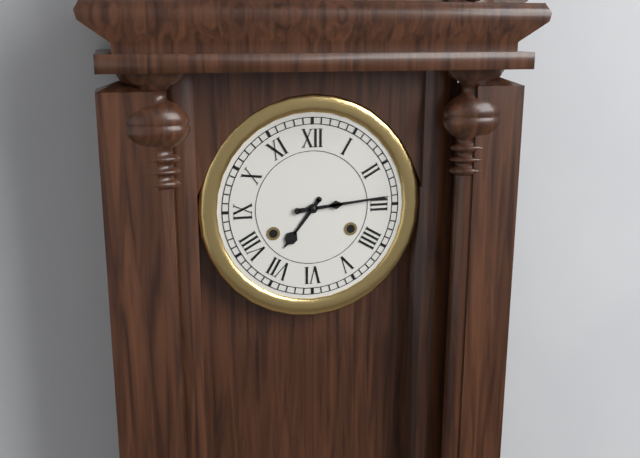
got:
7:14
